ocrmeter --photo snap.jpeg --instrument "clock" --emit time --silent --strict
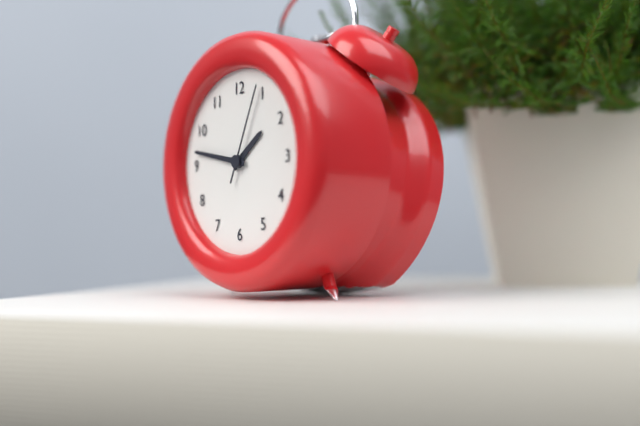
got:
1:47:04
